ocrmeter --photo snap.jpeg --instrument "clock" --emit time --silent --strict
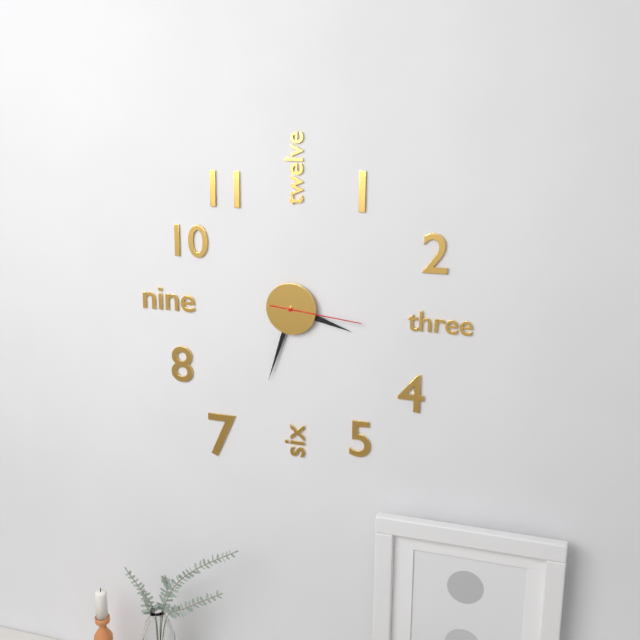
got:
3:33:16
